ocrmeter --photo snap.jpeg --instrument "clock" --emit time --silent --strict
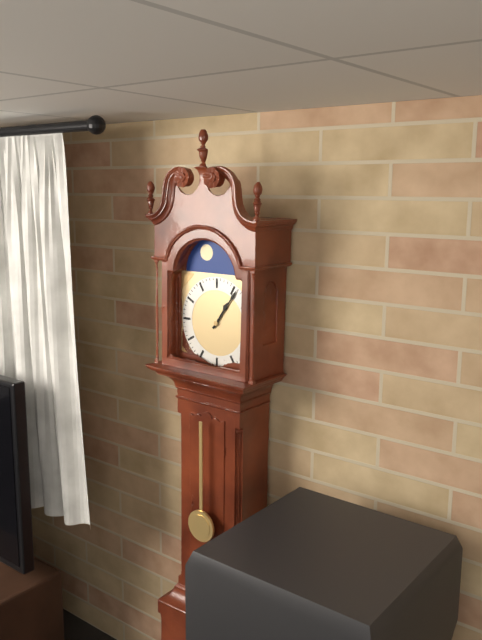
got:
1:06
